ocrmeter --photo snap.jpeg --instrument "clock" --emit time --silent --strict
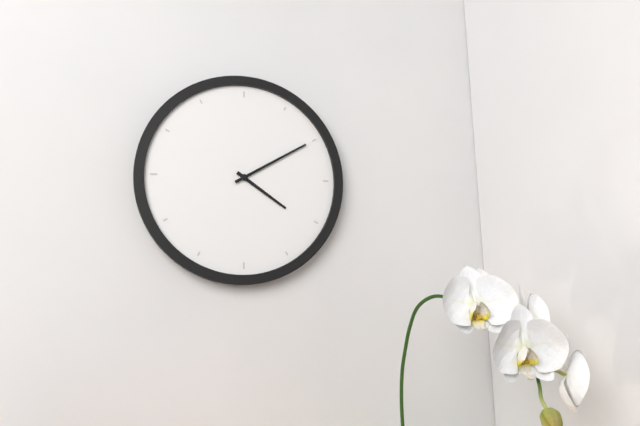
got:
4:10
